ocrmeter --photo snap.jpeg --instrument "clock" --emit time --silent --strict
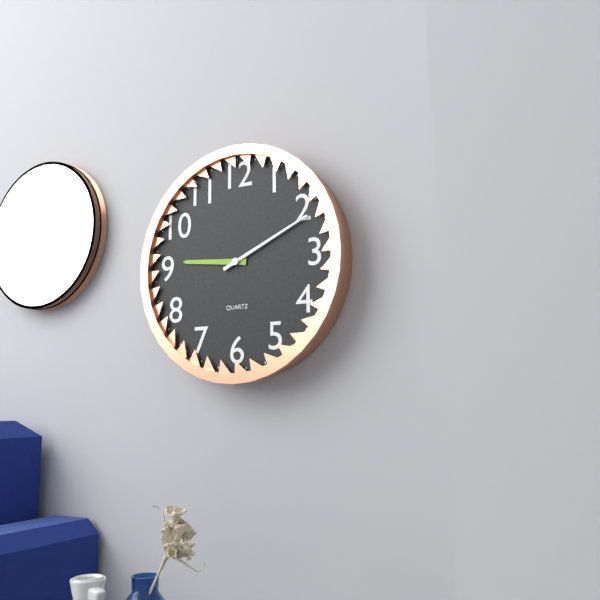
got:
9:11
